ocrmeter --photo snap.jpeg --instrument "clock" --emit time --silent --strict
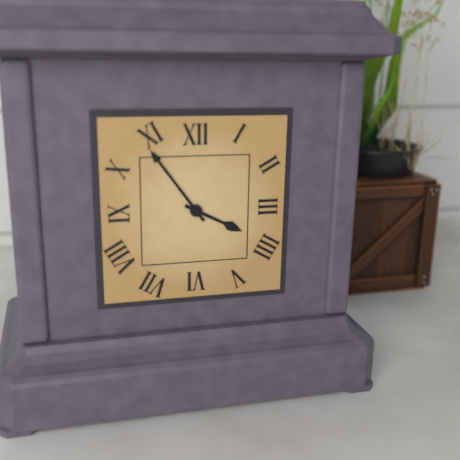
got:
3:54
